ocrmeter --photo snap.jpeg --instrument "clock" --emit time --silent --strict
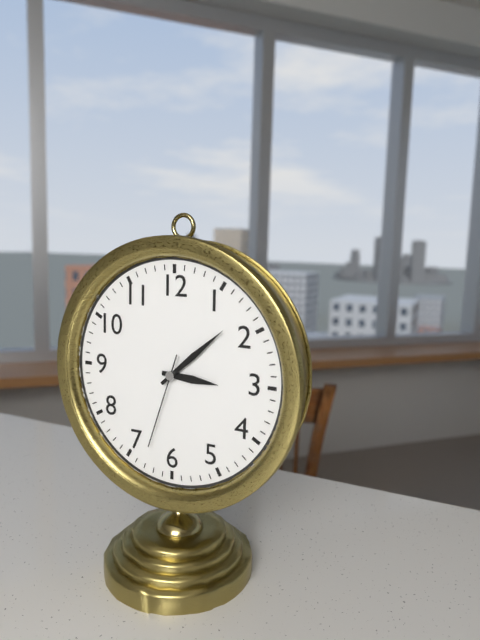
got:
3:08:33
